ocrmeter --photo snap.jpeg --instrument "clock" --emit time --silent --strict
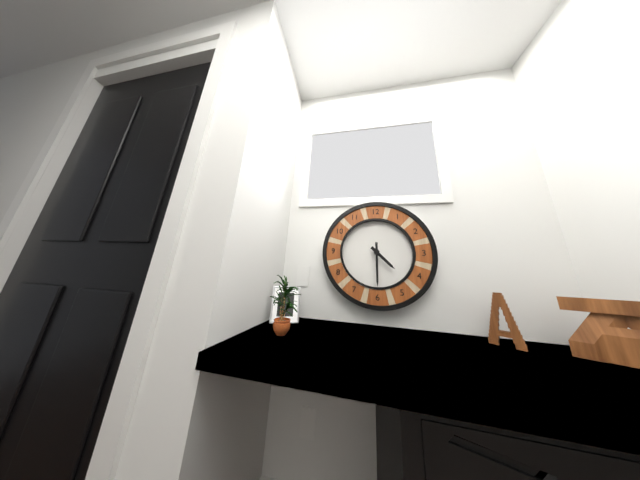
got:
4:30
